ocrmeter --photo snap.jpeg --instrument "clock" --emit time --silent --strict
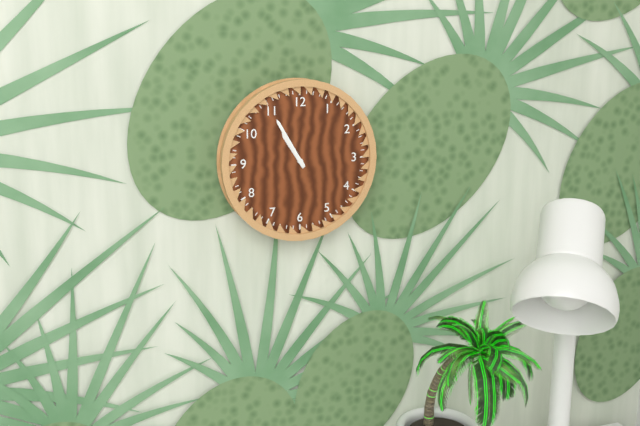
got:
10:55
